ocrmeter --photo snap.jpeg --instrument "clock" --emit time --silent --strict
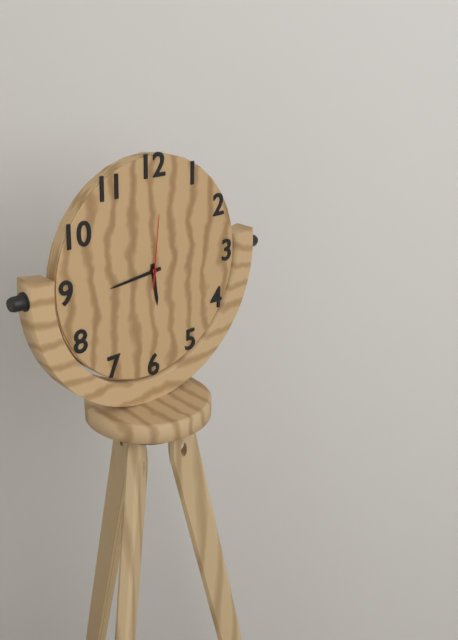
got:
5:44:01
